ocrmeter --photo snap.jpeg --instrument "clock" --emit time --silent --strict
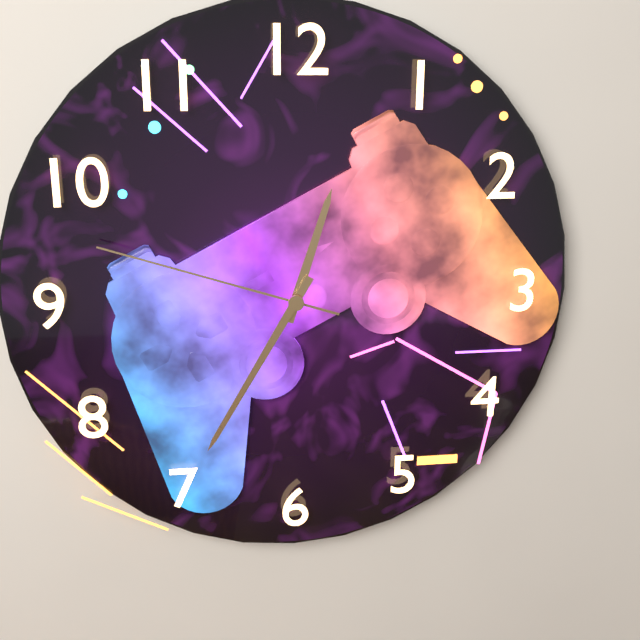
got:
12:35:48
